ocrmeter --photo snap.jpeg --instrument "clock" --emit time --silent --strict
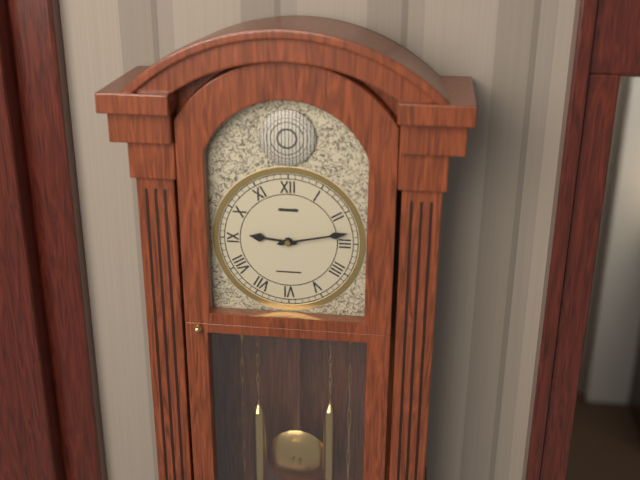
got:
9:13
